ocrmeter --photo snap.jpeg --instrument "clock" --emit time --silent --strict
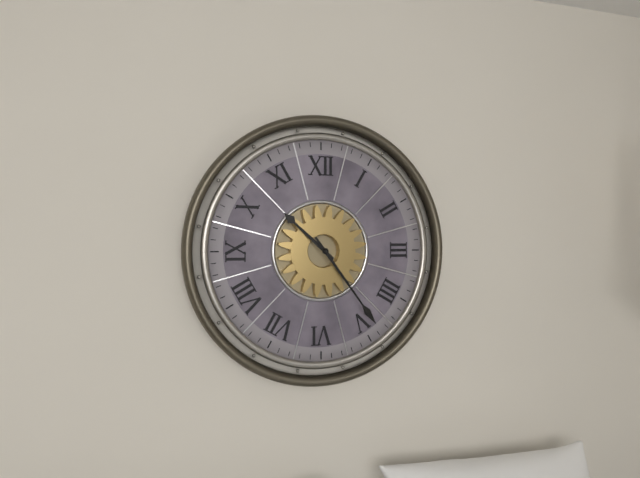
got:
10:24
